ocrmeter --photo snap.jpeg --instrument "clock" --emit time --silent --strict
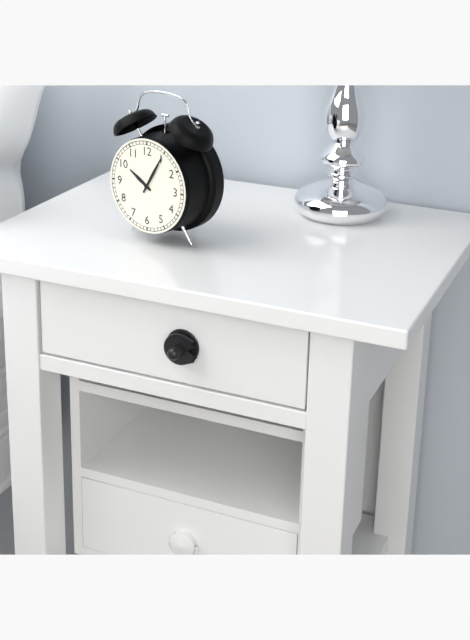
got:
10:05
